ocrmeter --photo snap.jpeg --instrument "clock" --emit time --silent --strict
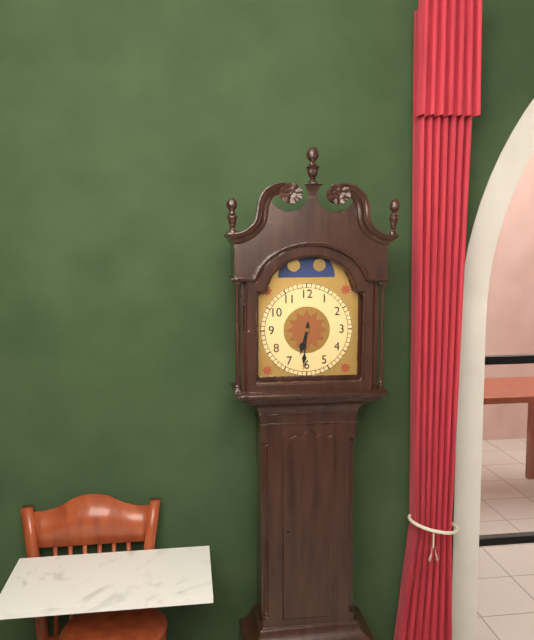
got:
6:31
